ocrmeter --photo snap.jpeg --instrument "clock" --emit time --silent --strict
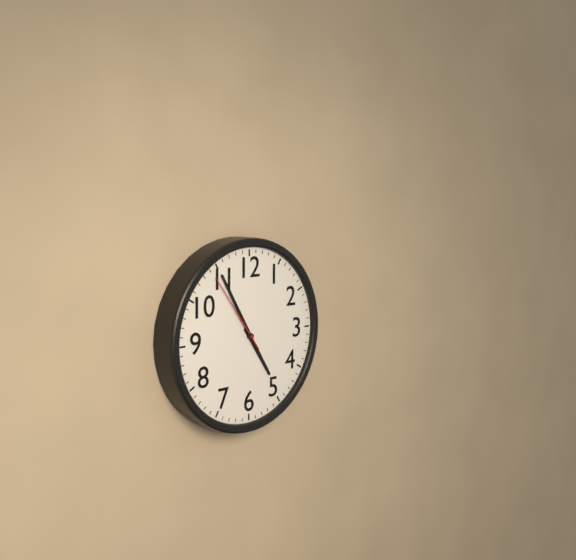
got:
4:55:54
